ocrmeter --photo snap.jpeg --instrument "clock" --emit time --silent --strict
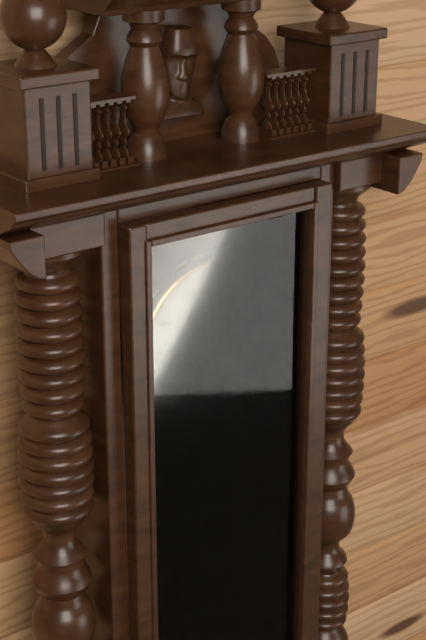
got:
7:38
